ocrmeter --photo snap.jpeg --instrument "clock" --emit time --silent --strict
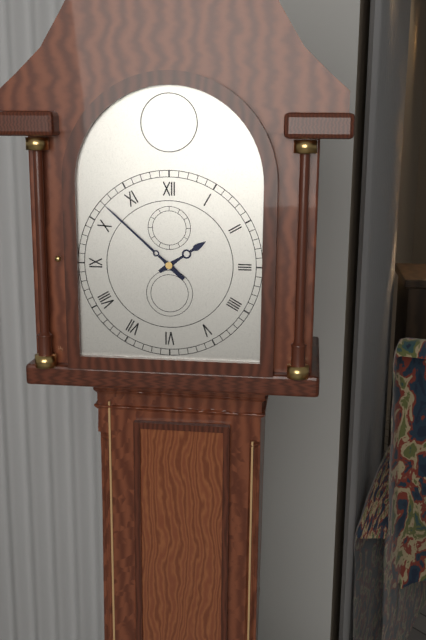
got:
1:52
